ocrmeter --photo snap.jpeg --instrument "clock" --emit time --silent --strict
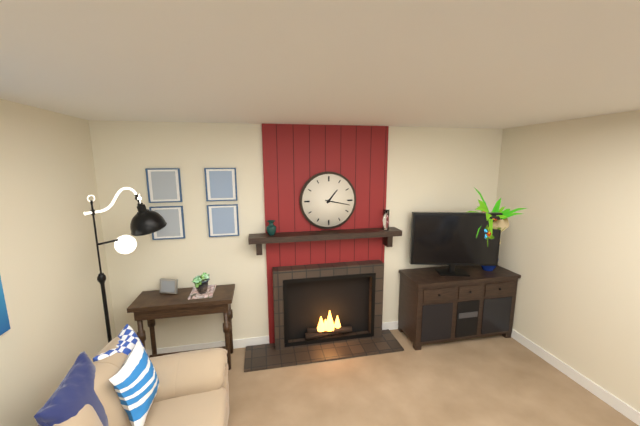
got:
1:17
